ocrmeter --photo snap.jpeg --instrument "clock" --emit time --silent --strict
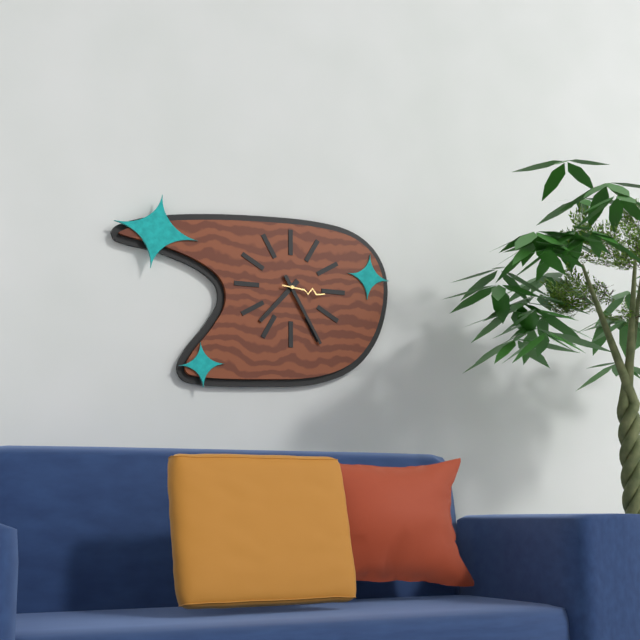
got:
7:25
